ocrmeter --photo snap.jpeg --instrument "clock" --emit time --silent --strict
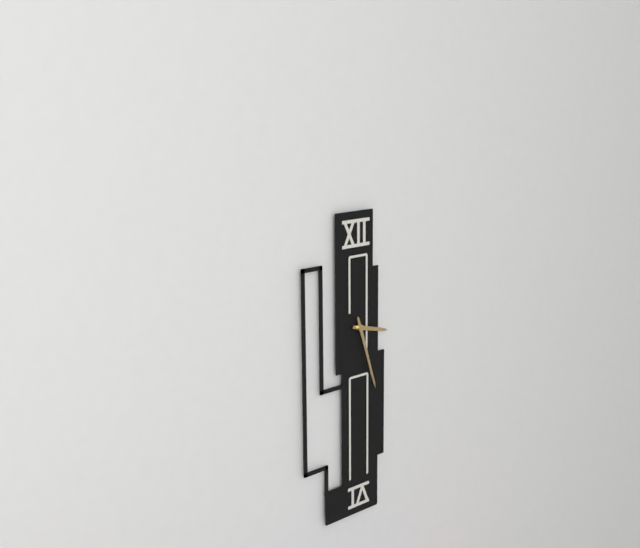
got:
3:27
